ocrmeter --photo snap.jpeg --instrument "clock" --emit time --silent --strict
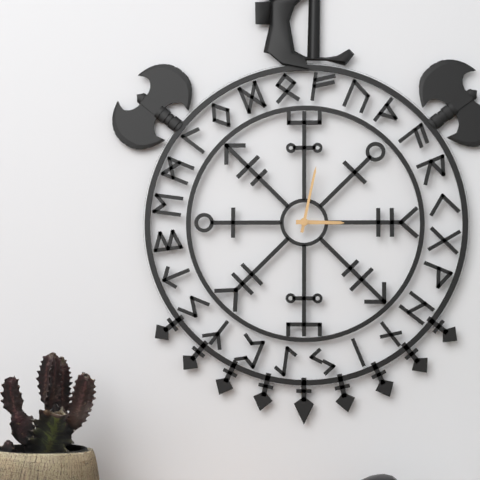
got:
3:02
